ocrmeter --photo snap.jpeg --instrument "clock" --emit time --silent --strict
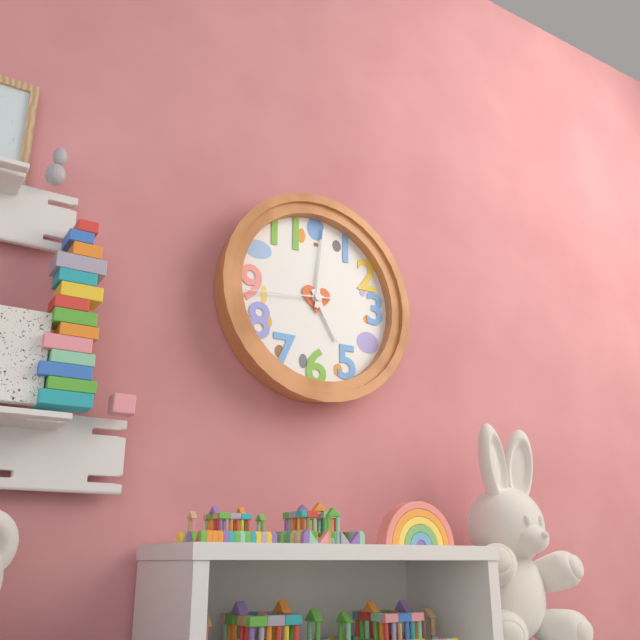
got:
5:01:44
